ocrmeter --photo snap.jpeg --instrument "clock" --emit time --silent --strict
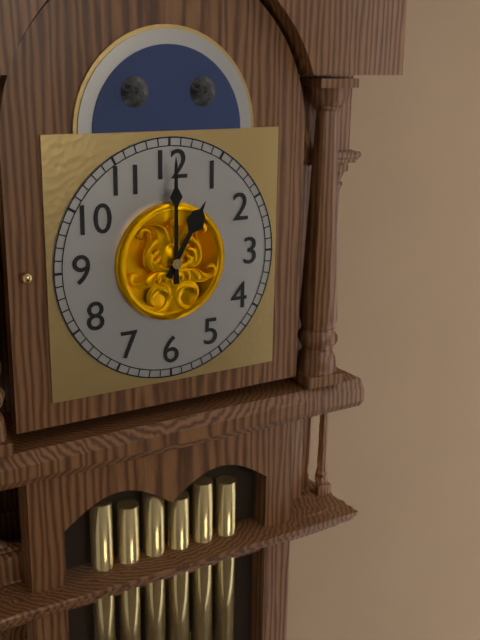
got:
1:00
